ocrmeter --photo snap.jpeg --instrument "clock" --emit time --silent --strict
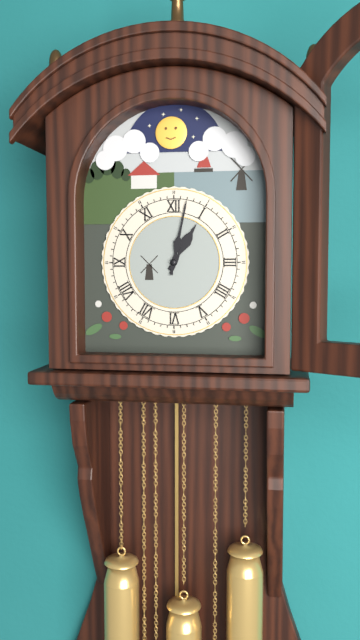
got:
1:02
